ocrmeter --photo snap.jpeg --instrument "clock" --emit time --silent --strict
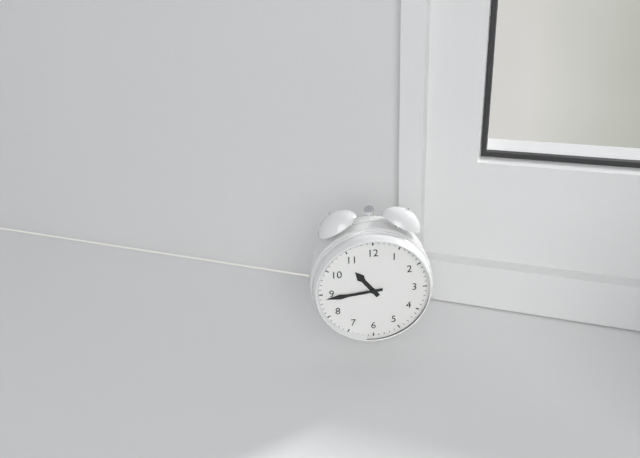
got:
10:44
